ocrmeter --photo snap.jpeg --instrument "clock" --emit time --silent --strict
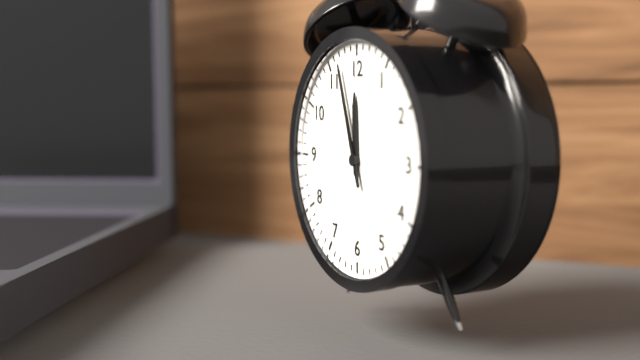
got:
11:57
